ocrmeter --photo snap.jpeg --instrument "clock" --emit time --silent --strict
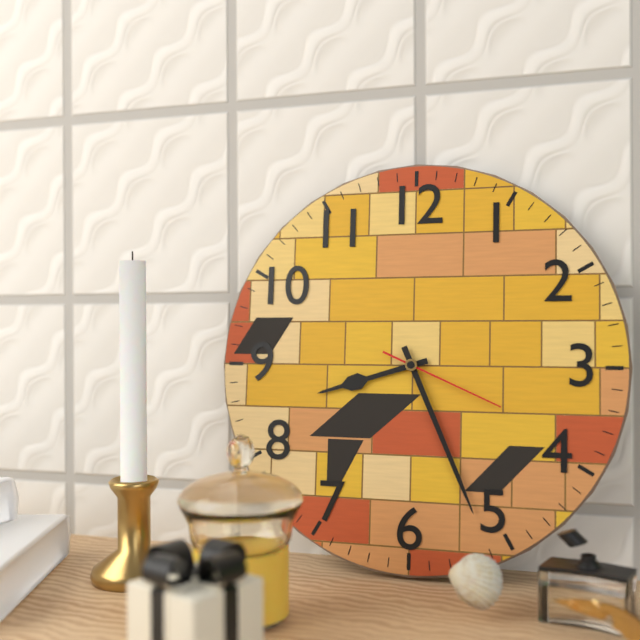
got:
8:26:19
